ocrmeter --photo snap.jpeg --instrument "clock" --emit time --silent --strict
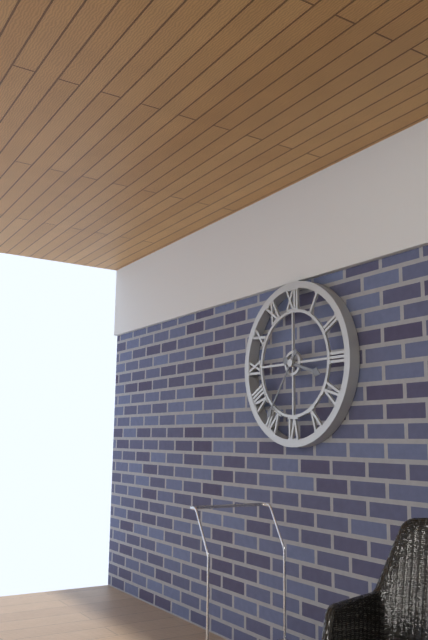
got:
3:36
